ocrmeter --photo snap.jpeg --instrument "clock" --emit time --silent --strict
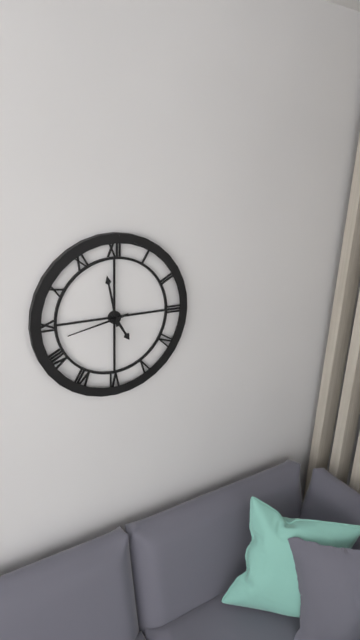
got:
4:58:43
